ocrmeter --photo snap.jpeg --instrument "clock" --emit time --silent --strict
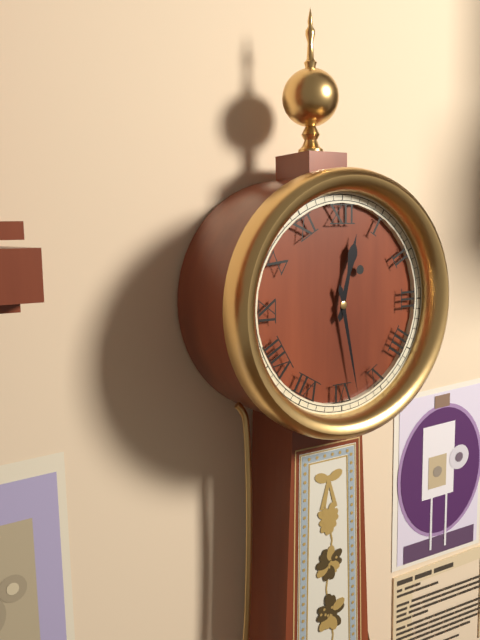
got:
12:28
